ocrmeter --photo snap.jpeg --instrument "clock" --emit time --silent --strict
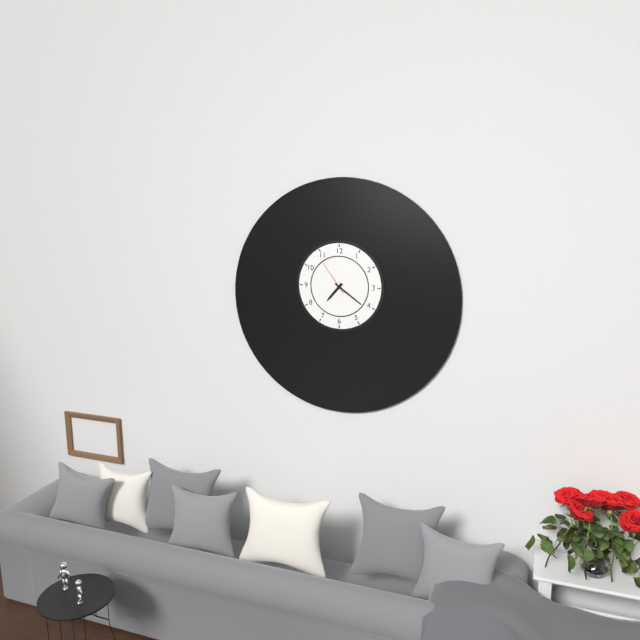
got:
7:21
